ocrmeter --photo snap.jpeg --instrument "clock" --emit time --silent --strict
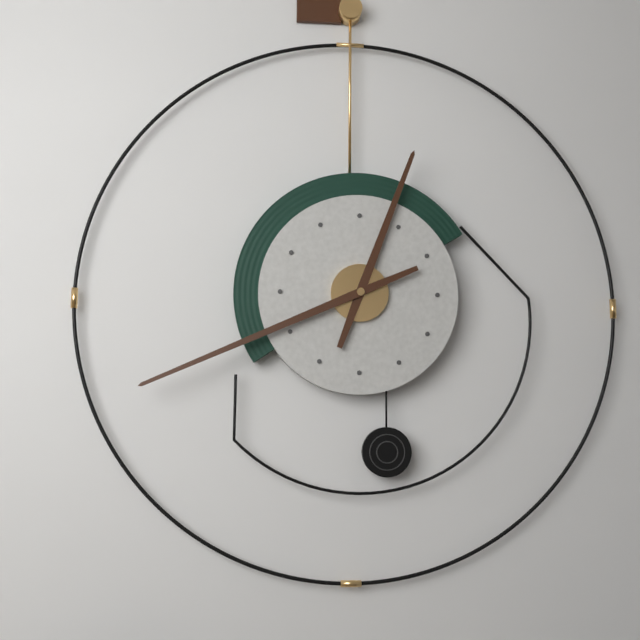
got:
12:41
